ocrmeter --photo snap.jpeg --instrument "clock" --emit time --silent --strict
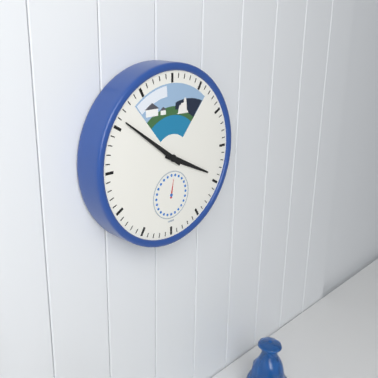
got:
3:51
